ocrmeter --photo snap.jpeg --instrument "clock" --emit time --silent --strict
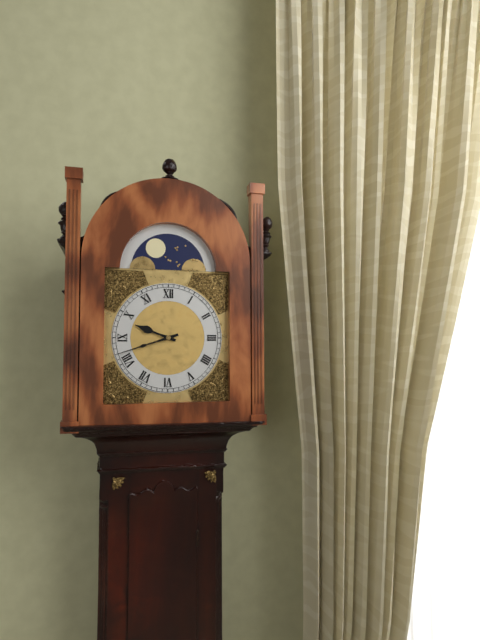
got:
9:42
